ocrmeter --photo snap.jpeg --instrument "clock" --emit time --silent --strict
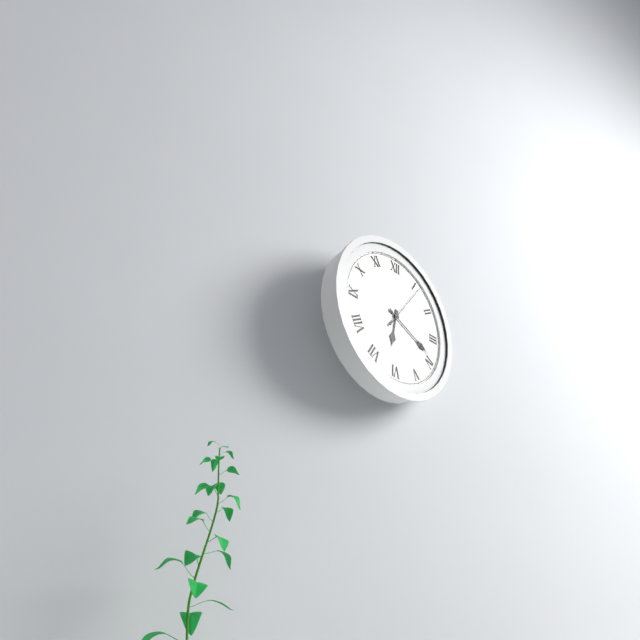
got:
6:19
